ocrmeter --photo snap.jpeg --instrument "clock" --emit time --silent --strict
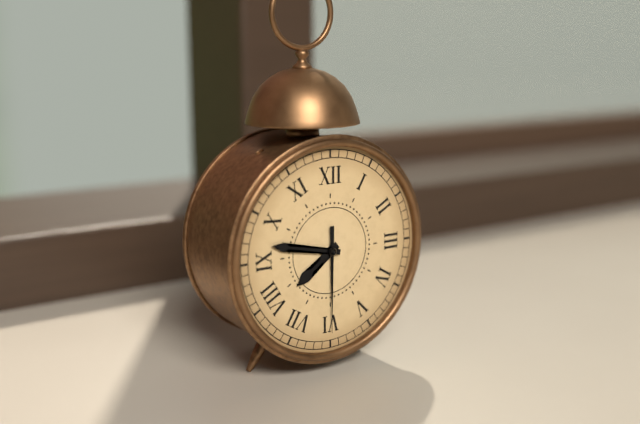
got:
7:47:30
